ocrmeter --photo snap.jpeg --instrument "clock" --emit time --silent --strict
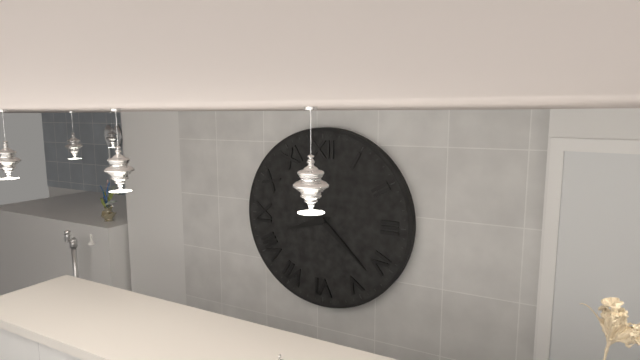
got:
8:22
